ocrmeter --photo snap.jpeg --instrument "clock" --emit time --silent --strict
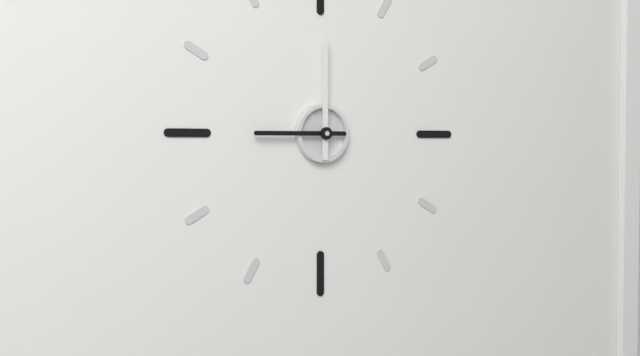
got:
9:00
